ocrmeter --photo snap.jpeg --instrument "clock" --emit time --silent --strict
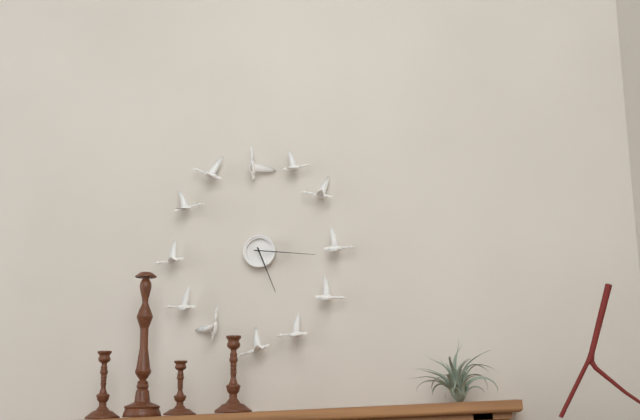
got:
5:16
